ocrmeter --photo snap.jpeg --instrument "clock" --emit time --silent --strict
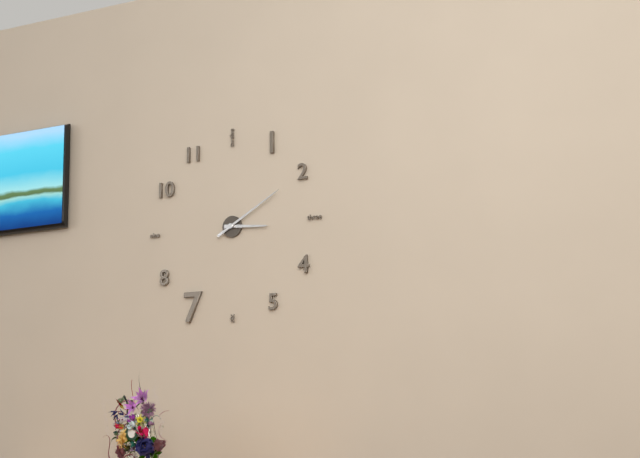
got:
3:10
